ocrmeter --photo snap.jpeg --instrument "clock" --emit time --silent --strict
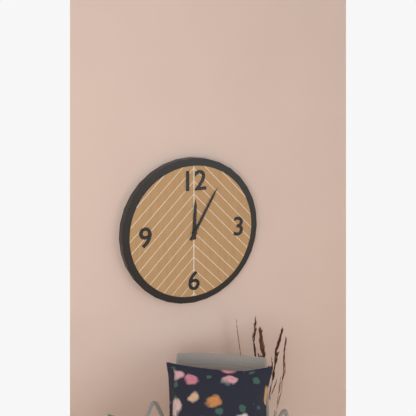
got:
12:05
